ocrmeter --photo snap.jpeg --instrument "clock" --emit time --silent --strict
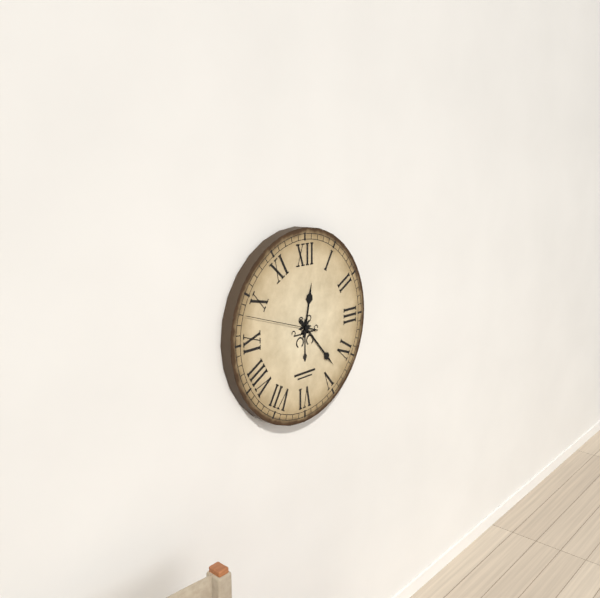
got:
12:23:48
